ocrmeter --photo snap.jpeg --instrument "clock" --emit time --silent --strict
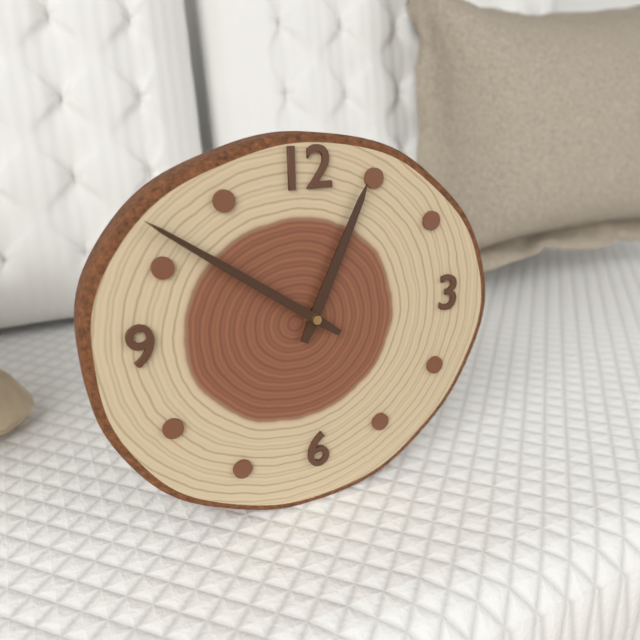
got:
12:51
